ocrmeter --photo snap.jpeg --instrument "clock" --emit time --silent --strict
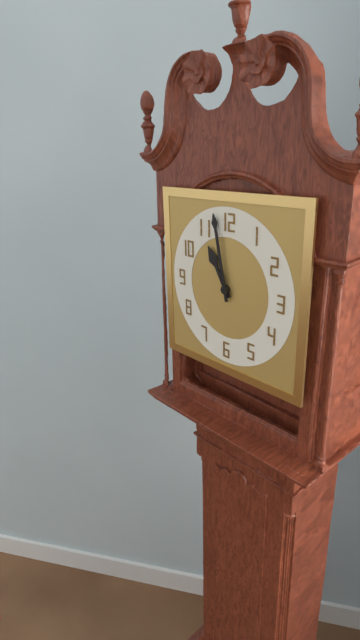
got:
10:58
